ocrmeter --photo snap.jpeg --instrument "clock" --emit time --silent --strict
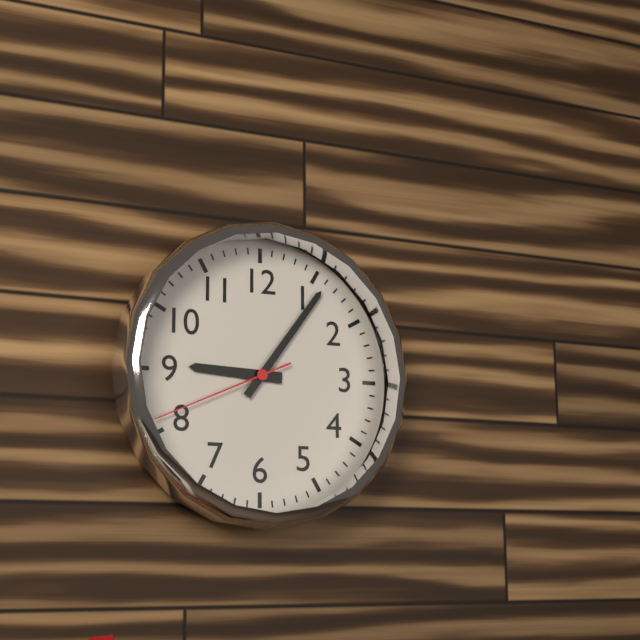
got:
9:06:41
